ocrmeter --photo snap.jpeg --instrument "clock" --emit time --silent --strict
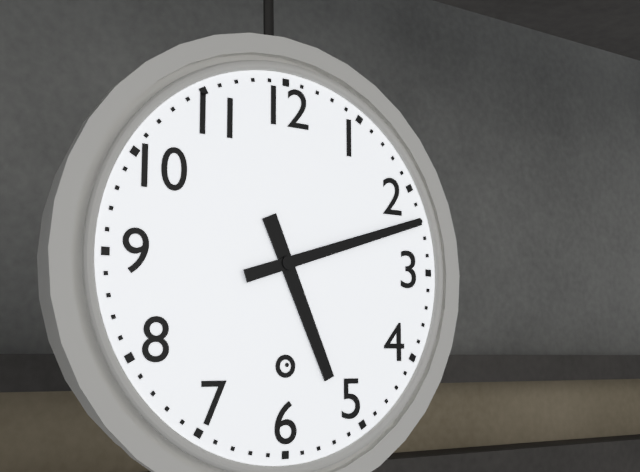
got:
5:12
